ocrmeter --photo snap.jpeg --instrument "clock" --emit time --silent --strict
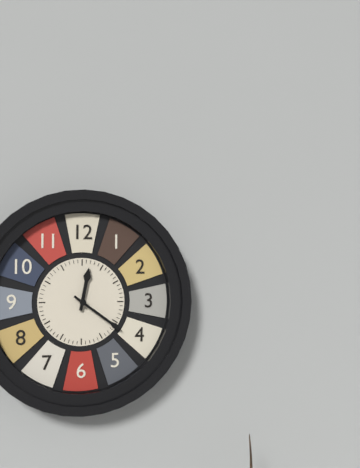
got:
12:21
